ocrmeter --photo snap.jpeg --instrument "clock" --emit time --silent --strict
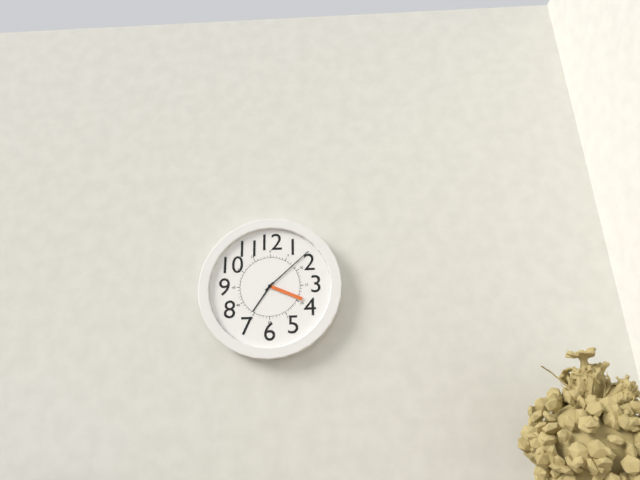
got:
7:08
